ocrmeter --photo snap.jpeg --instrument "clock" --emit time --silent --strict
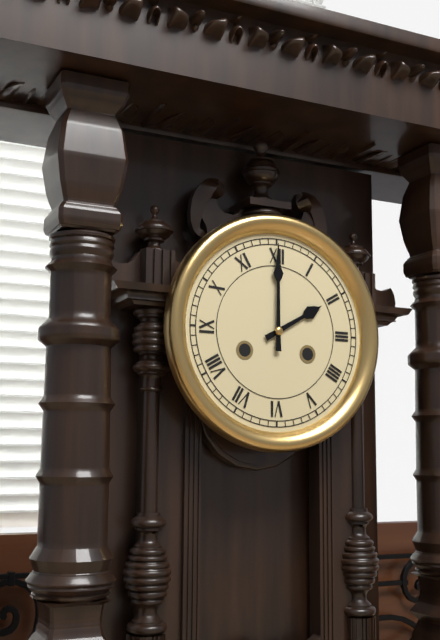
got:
2:00
